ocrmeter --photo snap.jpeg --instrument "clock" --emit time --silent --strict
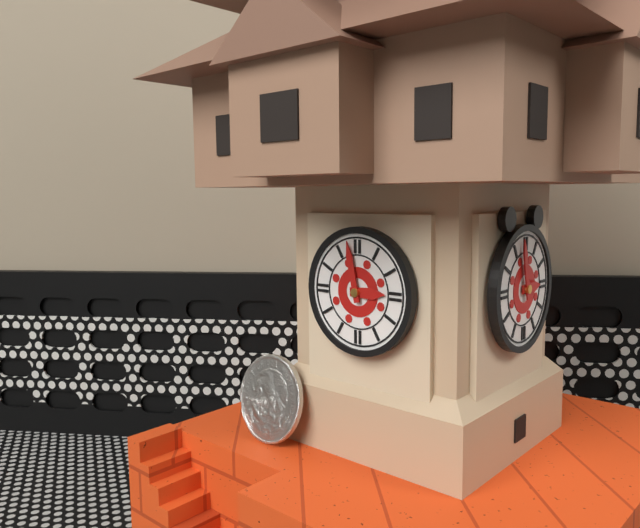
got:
2:58
